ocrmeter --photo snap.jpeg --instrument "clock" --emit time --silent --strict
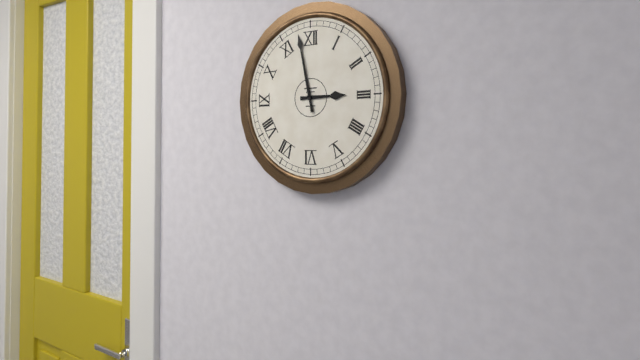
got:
2:58
